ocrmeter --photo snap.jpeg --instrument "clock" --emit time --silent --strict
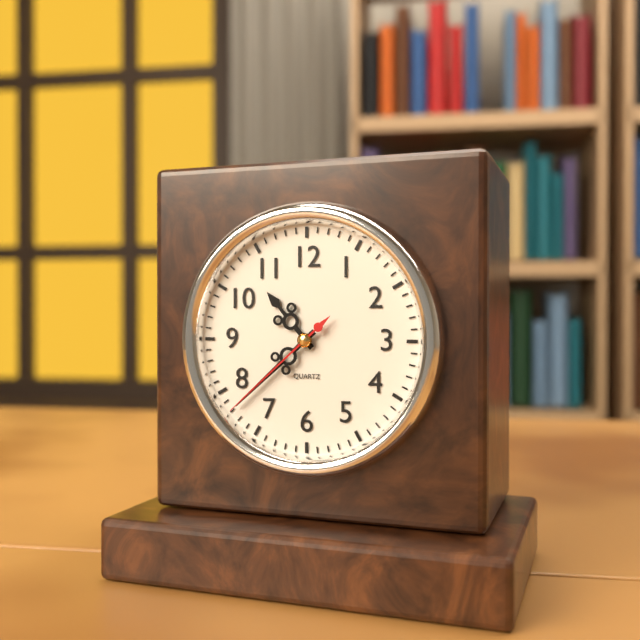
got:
10:38:38
